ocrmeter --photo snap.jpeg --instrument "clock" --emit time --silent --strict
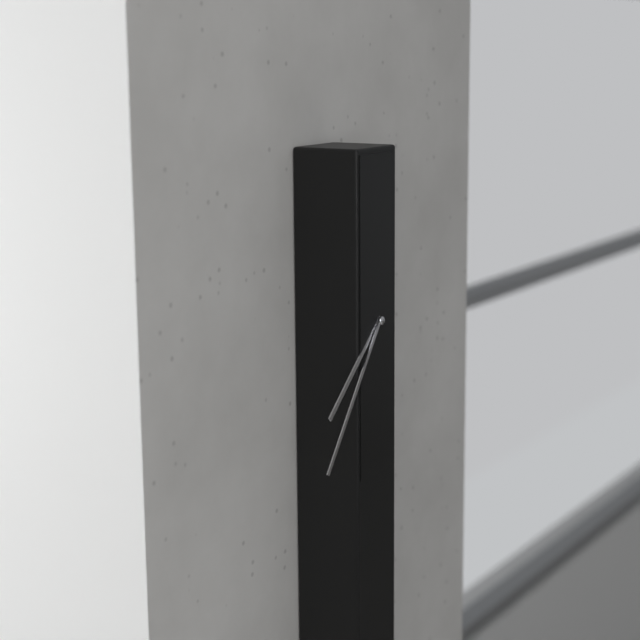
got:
7:36
